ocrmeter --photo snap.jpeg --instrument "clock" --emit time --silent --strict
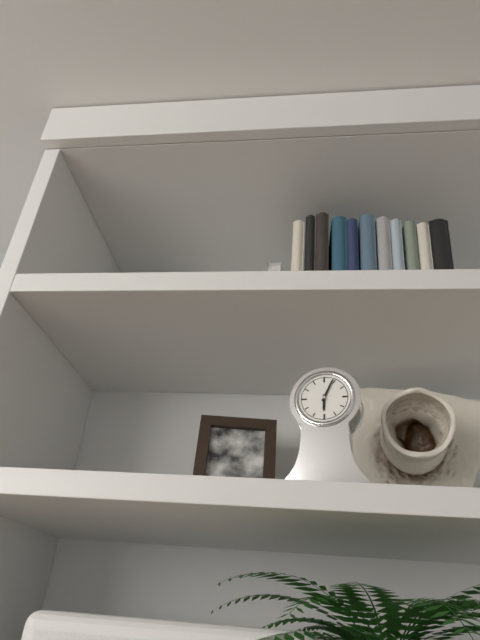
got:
6:04
